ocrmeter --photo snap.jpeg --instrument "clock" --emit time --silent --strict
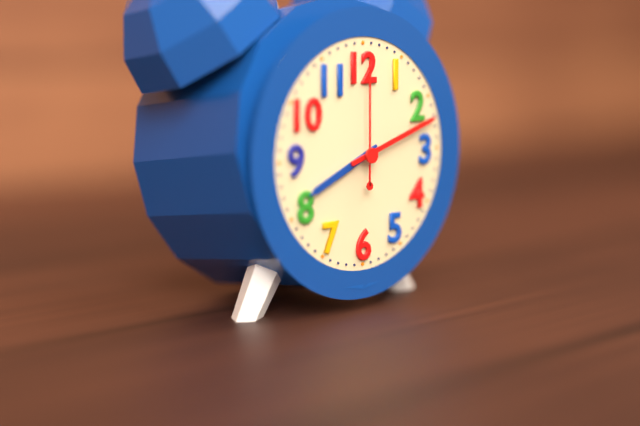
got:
8:12:00
